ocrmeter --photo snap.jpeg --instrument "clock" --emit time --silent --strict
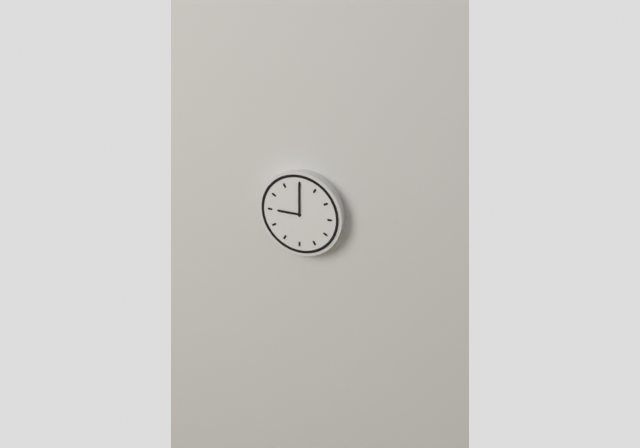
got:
9:00
